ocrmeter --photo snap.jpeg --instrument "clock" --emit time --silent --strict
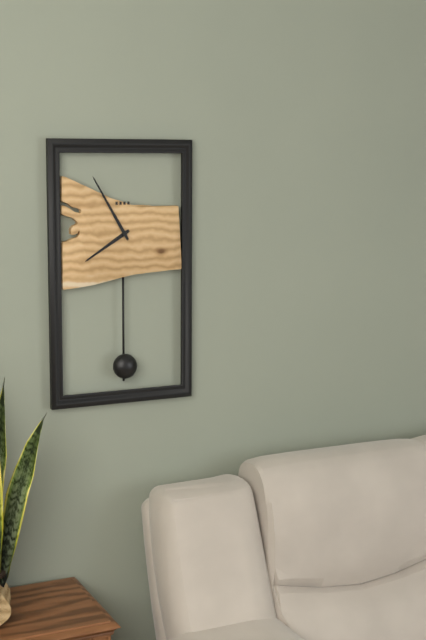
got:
7:55
